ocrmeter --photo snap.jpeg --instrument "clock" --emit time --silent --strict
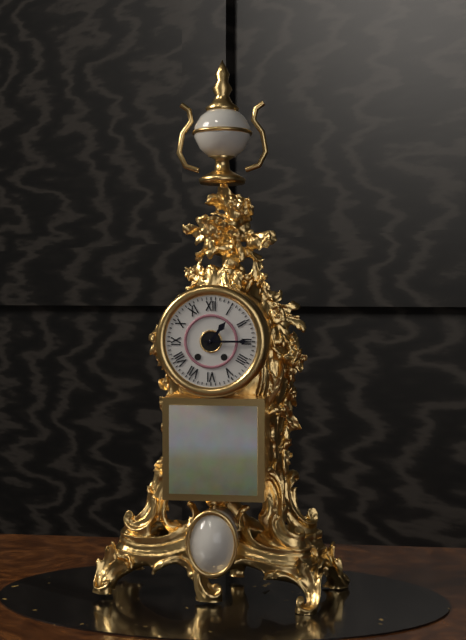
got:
1:15
